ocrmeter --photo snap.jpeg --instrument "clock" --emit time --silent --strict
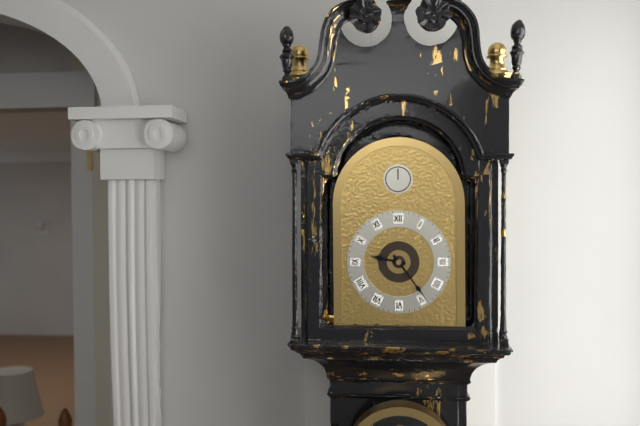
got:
9:24
